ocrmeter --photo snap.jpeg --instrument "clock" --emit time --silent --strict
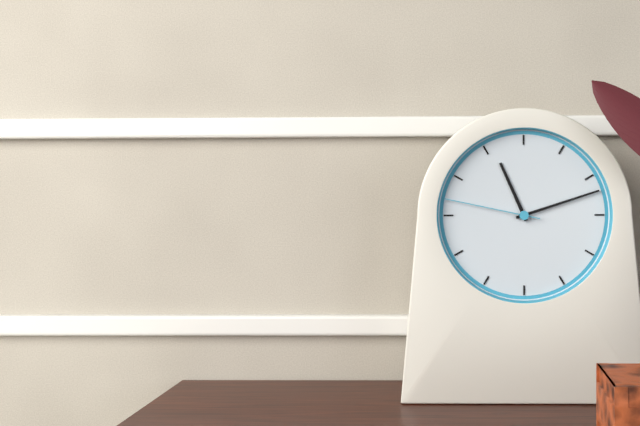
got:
11:12:47
